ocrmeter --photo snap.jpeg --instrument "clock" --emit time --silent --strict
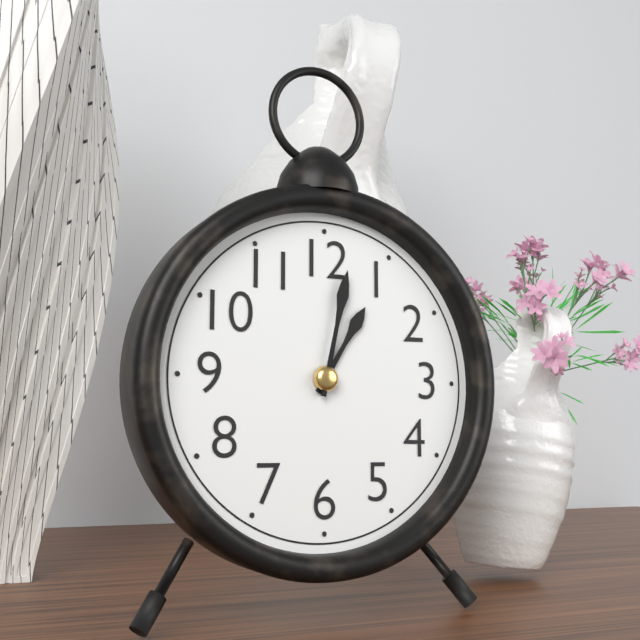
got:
1:02
